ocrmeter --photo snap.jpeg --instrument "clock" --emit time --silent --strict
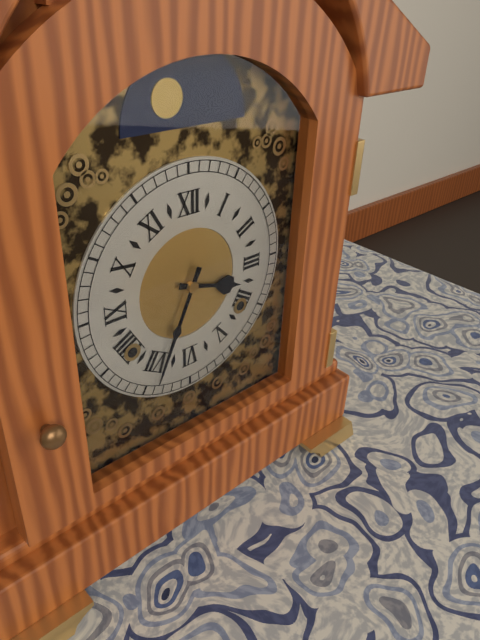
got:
3:34
